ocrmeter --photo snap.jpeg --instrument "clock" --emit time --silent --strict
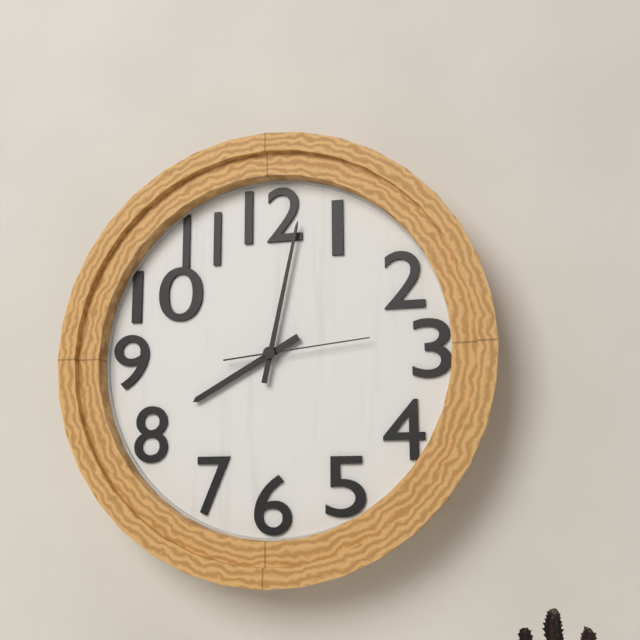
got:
8:02:14
